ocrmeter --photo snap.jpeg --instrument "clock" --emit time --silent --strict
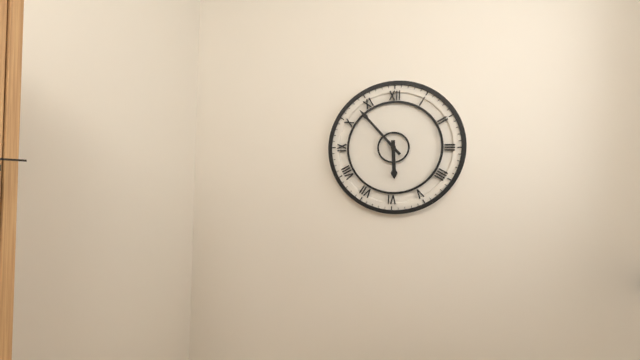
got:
5:53
